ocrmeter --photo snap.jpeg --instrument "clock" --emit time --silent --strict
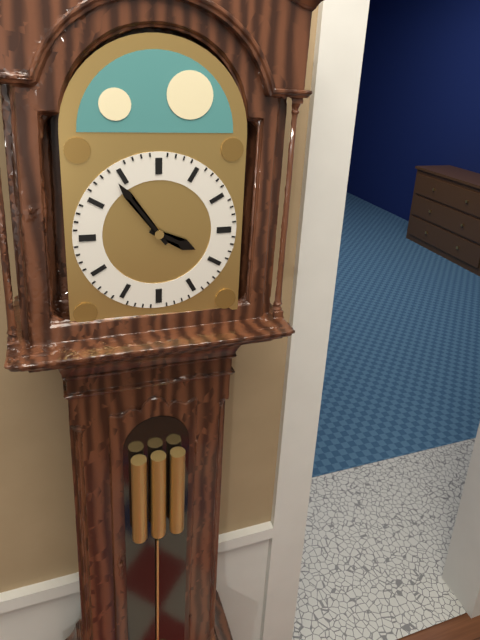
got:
3:54
